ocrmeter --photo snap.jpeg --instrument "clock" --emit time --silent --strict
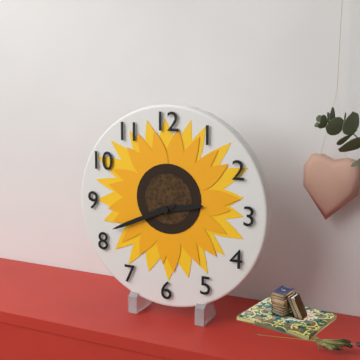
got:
2:41
